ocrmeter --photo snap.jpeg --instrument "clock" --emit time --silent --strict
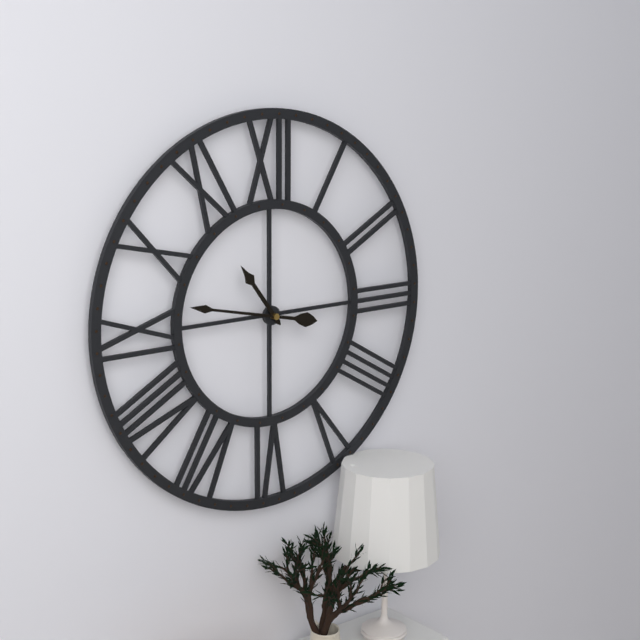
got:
10:47
